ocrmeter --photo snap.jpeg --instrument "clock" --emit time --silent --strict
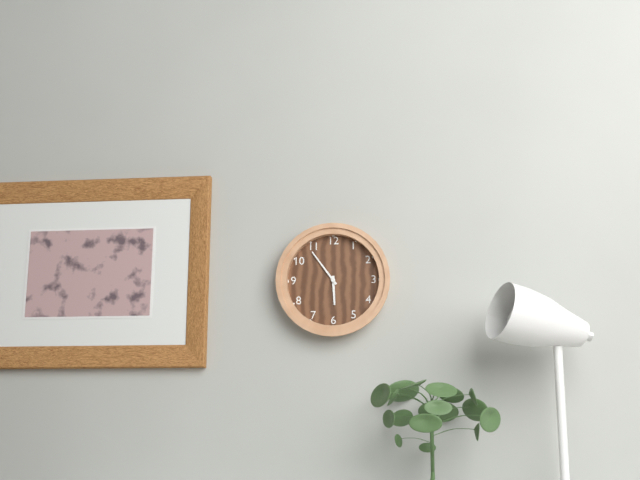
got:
5:54
